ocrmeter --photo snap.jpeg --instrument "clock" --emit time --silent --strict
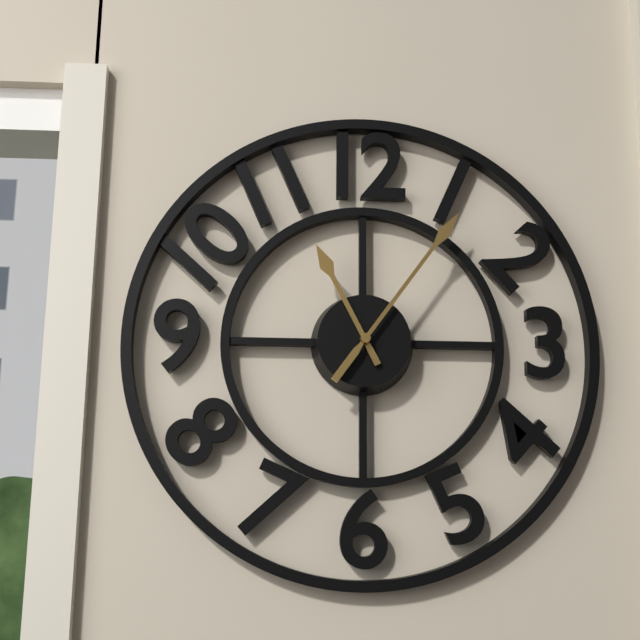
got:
11:06
